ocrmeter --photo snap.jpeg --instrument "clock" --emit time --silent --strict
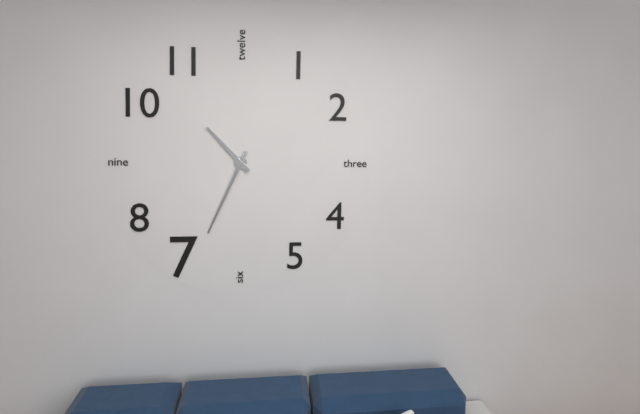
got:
10:34
